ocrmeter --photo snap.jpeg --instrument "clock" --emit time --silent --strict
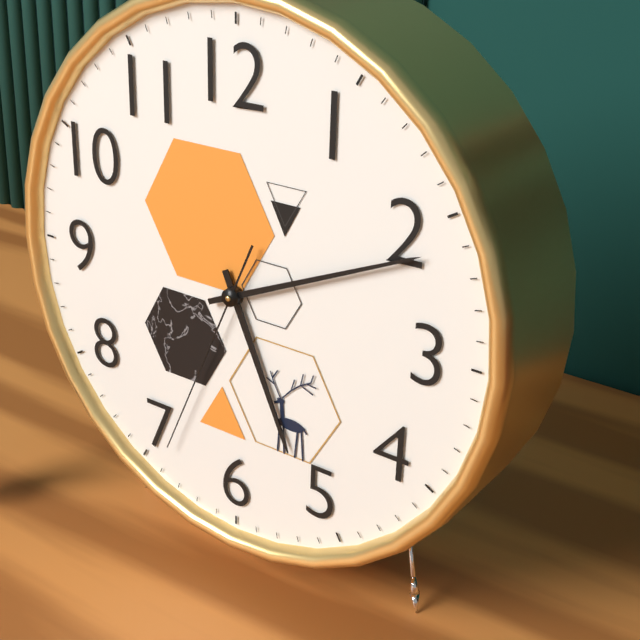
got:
5:11:34
